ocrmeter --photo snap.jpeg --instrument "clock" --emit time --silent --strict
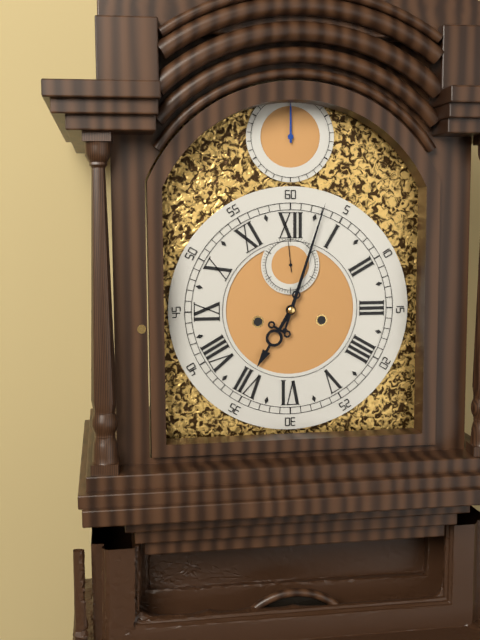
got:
7:03
